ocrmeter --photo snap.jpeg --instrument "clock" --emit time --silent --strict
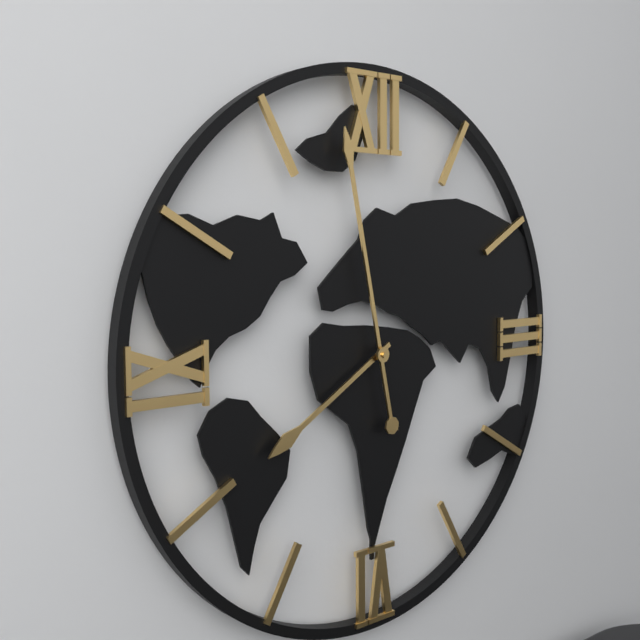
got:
7:58
